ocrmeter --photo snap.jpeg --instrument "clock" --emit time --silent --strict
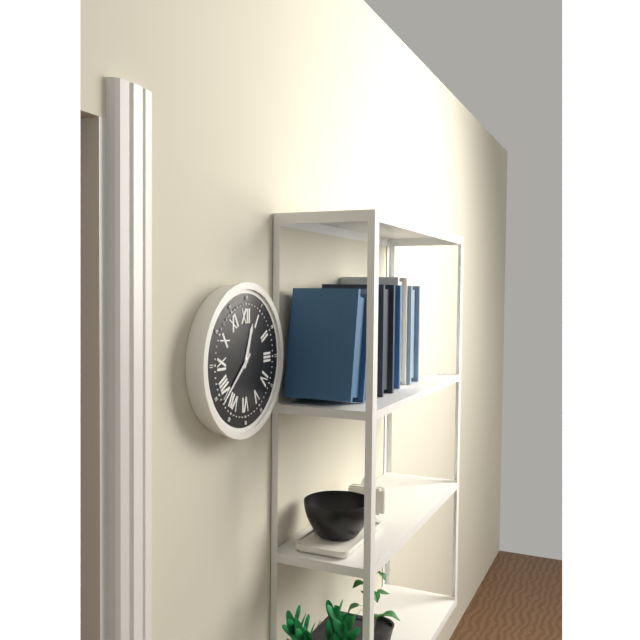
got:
12:38
